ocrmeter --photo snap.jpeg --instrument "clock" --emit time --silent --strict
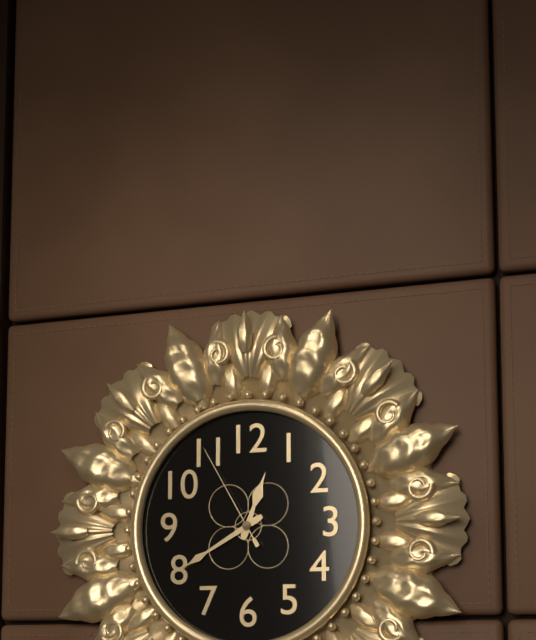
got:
12:40:55
